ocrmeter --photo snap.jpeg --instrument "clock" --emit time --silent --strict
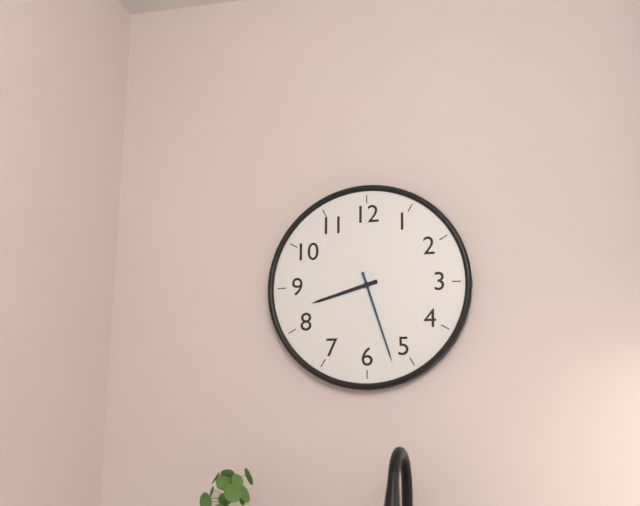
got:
8:27
